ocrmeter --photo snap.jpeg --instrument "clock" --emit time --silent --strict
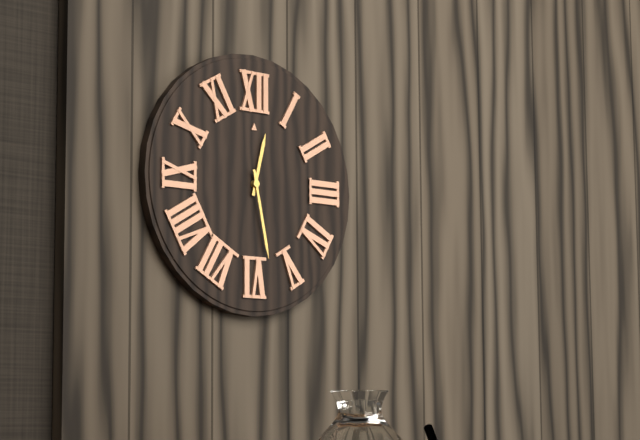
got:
12:28
